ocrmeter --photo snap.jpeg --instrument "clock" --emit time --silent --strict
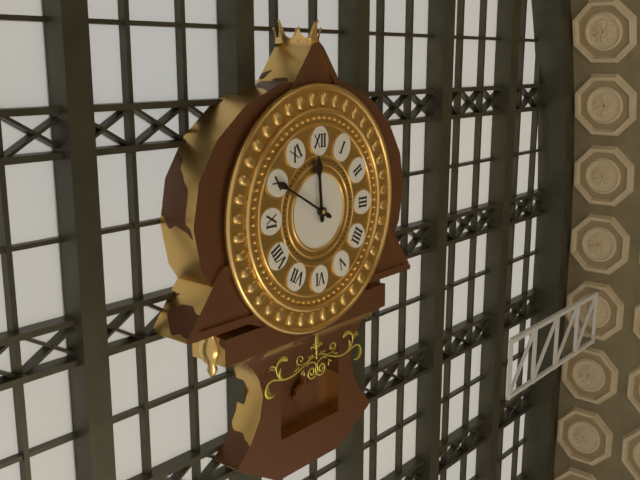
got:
11:50
